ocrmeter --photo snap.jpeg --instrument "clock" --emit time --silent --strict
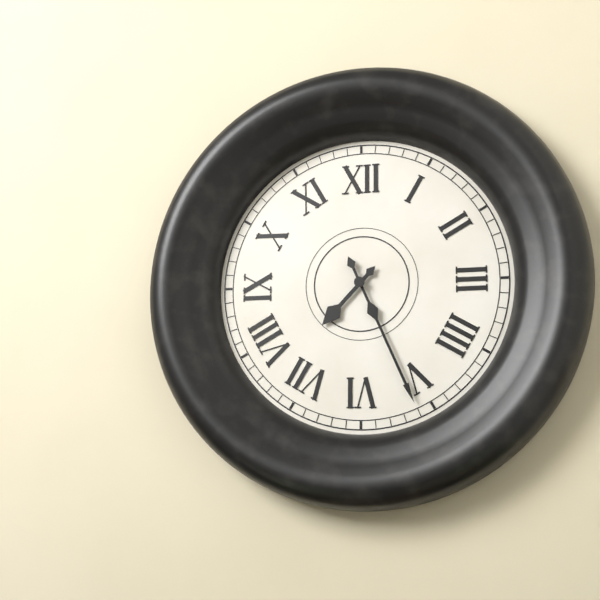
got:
7:26
